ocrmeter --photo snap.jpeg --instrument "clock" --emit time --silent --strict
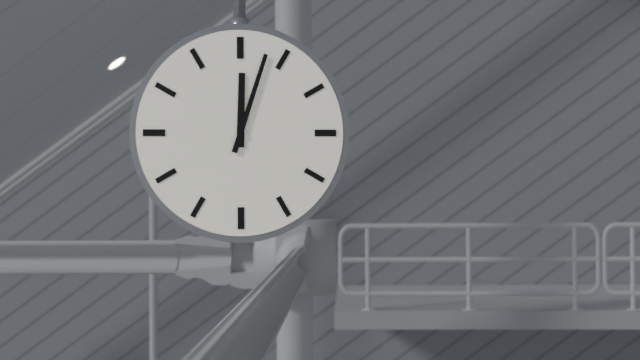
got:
12:03
